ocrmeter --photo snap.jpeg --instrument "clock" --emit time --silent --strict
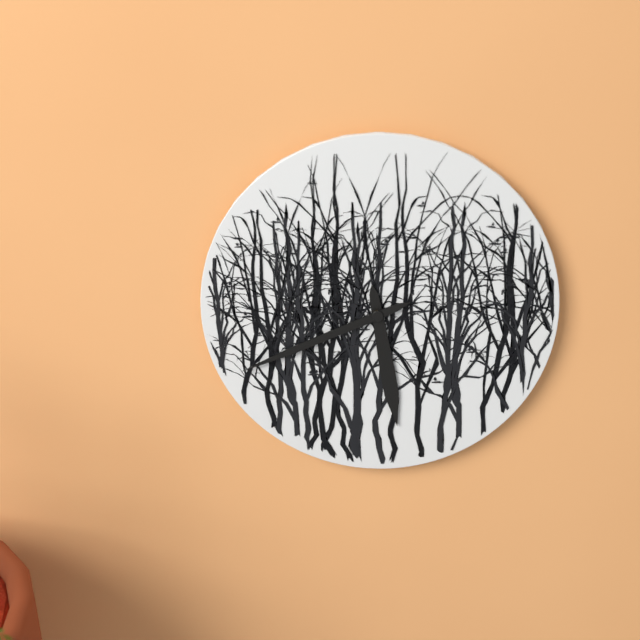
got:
5:41
